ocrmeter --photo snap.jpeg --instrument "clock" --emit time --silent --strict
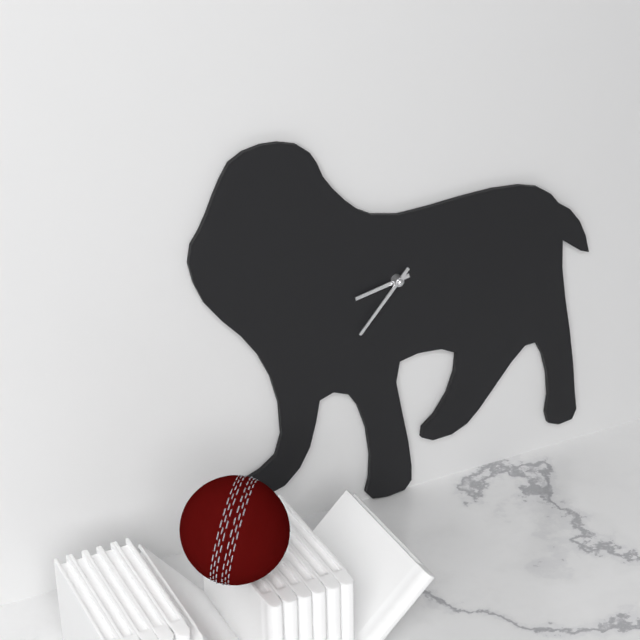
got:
8:37
